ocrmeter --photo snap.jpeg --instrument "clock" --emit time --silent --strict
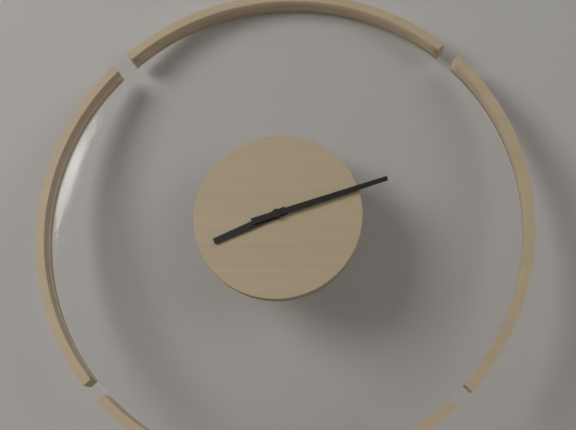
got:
8:12
